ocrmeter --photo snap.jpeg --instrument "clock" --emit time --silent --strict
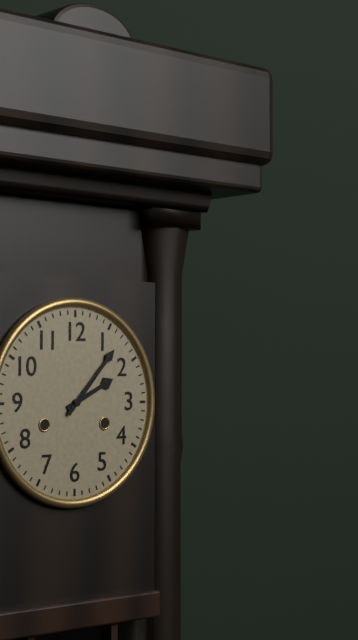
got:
2:07
